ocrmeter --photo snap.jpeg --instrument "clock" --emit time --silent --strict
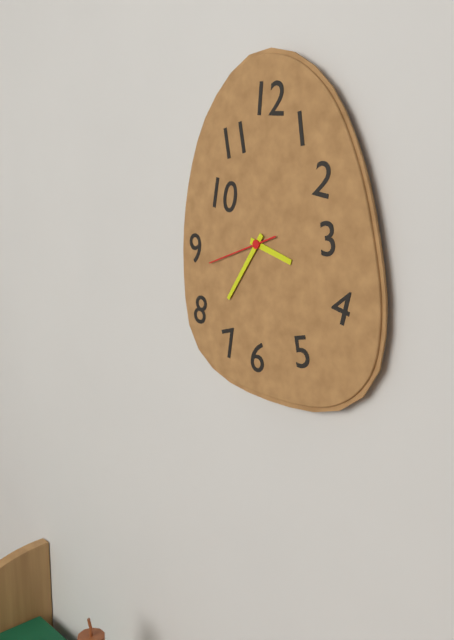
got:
3:36:42
